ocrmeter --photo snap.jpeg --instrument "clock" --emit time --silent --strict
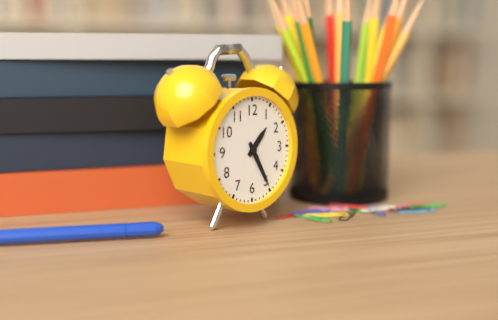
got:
1:25
